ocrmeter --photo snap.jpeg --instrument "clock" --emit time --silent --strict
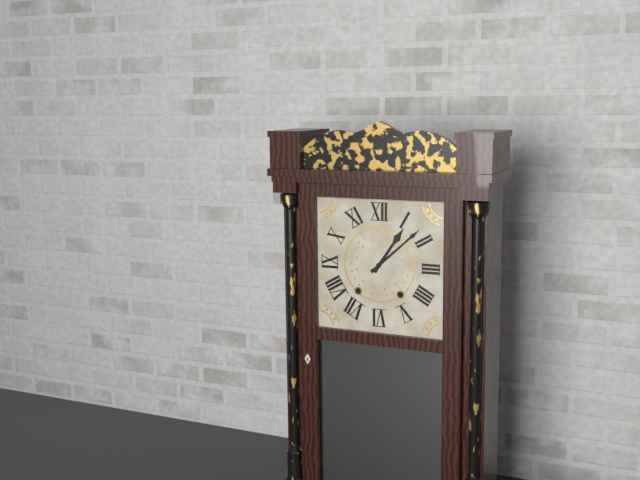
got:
1:08
